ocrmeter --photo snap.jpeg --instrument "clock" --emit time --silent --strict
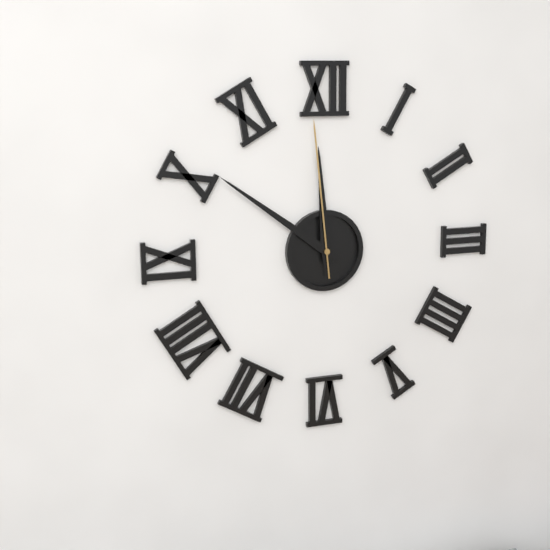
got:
11:51:59
